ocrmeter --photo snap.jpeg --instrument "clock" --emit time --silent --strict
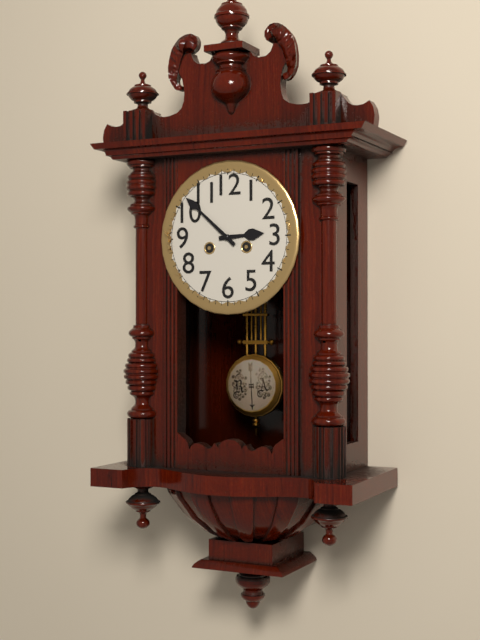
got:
2:52
